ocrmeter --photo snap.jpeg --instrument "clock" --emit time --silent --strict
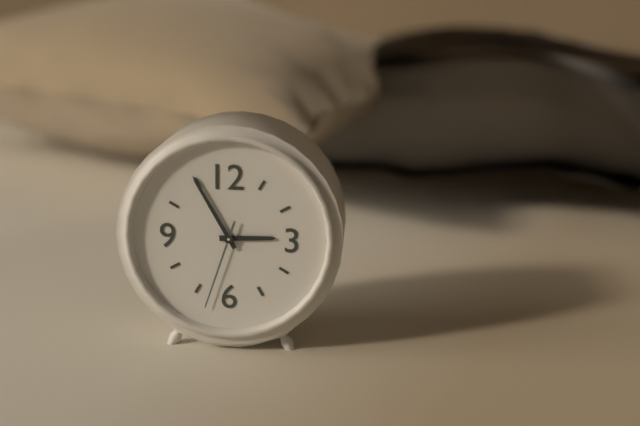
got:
2:55:33
